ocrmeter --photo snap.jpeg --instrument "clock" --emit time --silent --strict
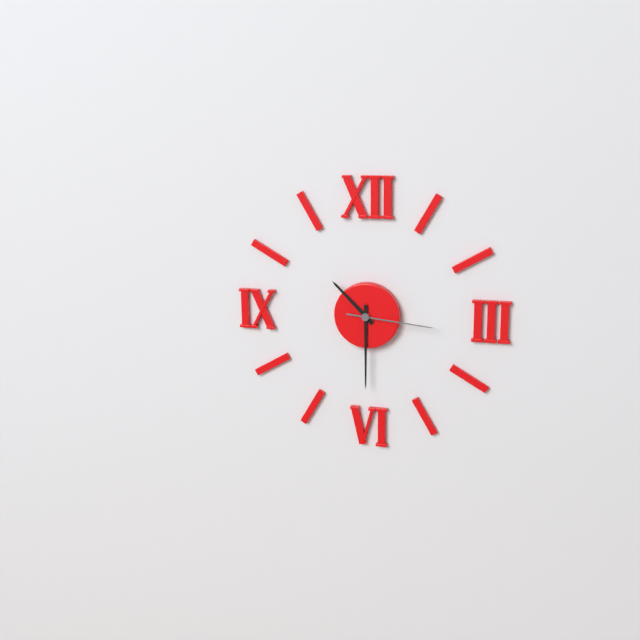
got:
10:30:16
